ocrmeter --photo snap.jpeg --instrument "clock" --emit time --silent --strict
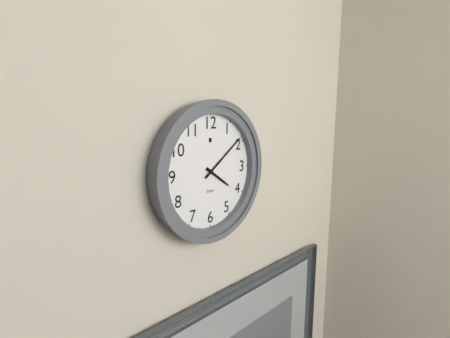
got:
4:09
